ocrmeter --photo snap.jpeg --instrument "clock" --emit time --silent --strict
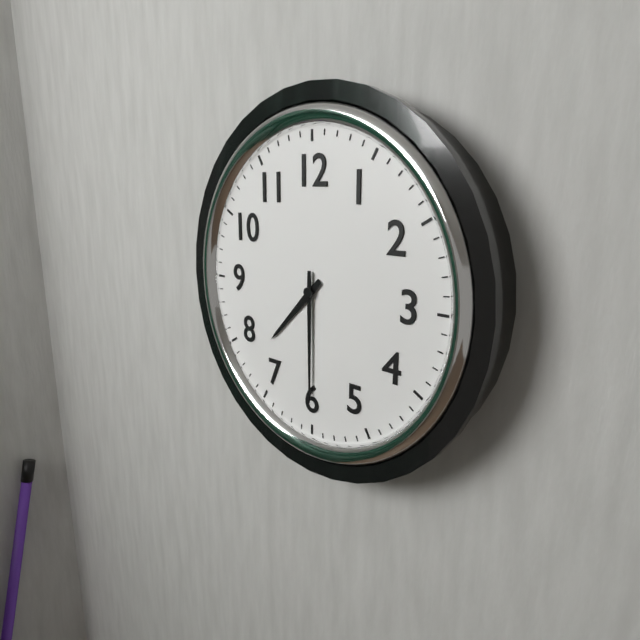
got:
7:30
